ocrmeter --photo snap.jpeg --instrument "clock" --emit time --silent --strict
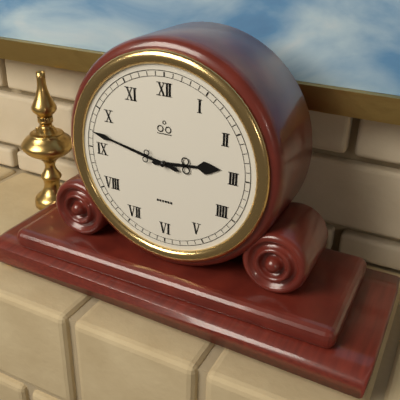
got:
2:47
